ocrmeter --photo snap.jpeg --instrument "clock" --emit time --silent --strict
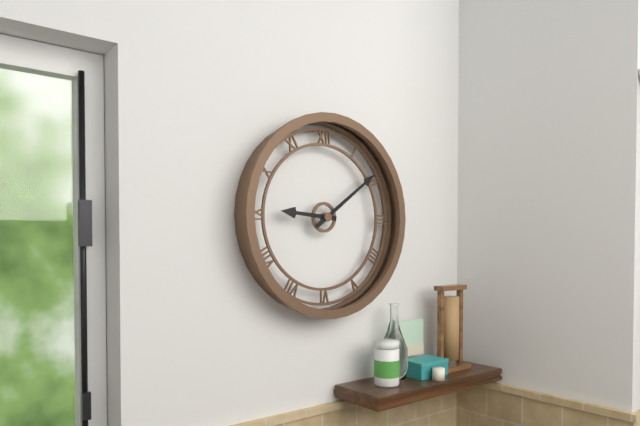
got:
9:09
